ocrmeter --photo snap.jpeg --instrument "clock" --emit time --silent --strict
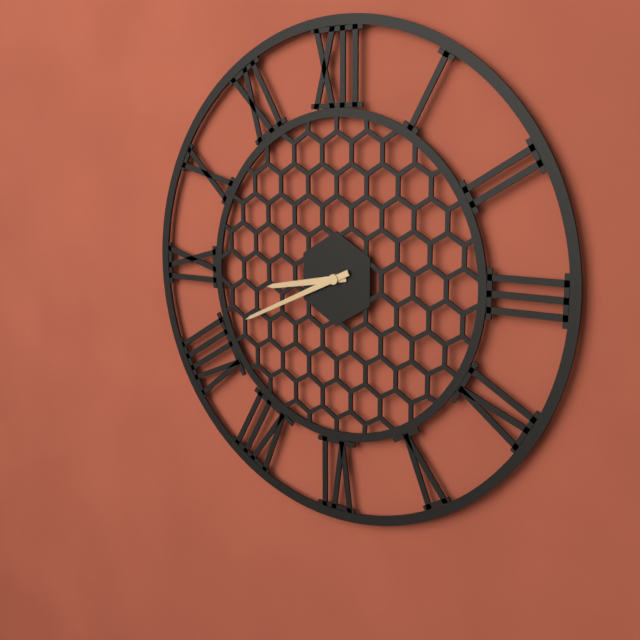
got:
8:41
